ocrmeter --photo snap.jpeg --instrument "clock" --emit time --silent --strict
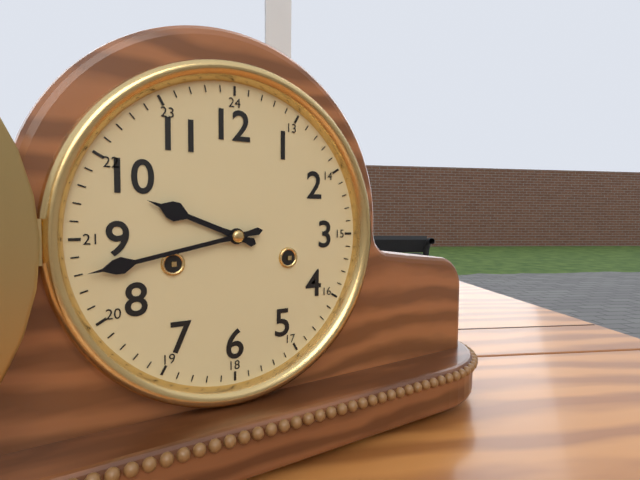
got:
9:43
